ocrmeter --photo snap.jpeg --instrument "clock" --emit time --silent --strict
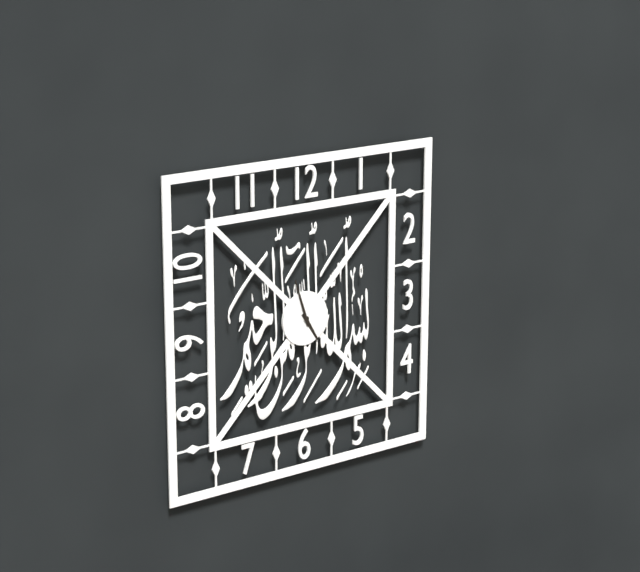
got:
4:57
